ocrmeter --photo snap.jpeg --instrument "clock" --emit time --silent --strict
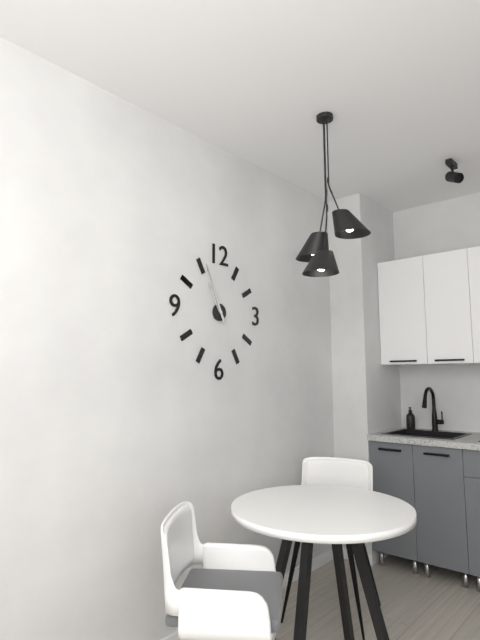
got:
10:56
